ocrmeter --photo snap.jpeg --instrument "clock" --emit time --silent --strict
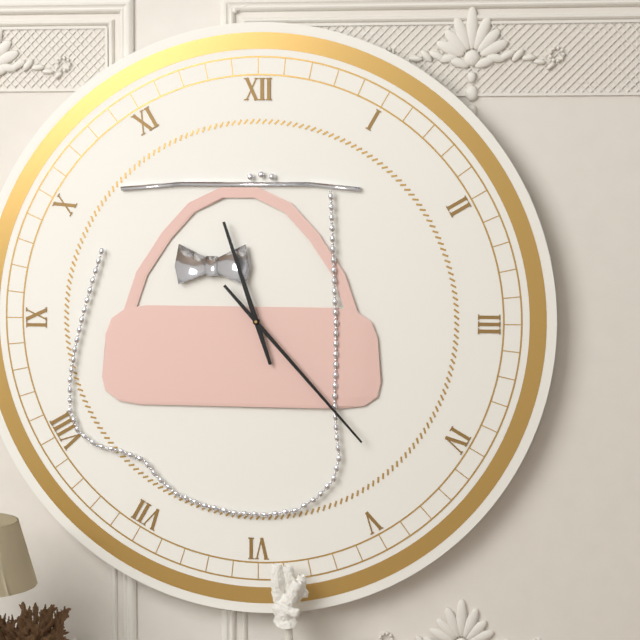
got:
11:23
